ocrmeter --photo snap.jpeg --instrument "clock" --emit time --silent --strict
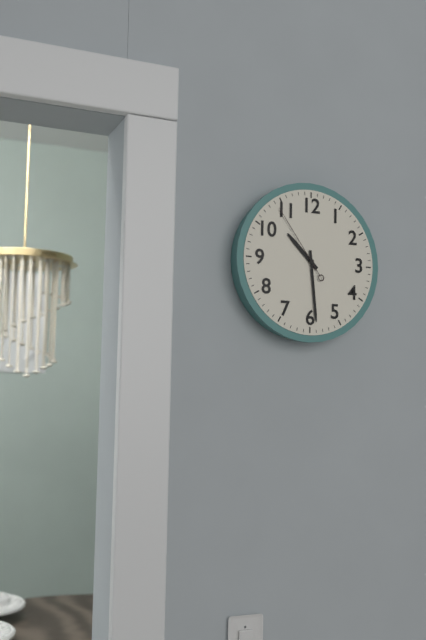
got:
10:29:54
